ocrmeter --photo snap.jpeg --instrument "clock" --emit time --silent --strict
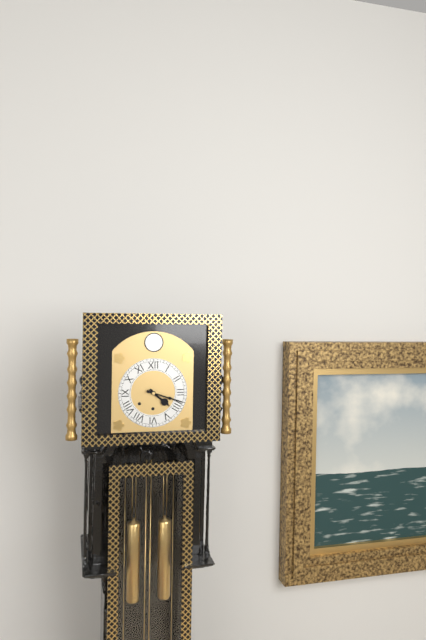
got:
4:18
